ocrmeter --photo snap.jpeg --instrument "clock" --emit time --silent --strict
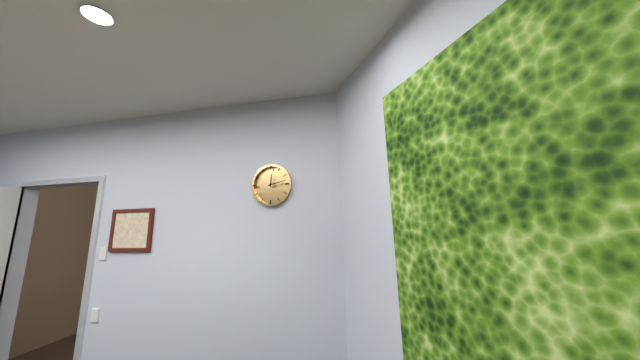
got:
12:13
